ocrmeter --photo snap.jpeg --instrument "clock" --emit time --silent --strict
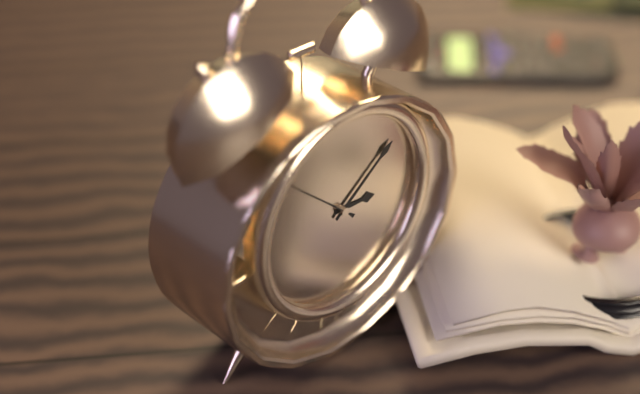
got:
3:09:52
